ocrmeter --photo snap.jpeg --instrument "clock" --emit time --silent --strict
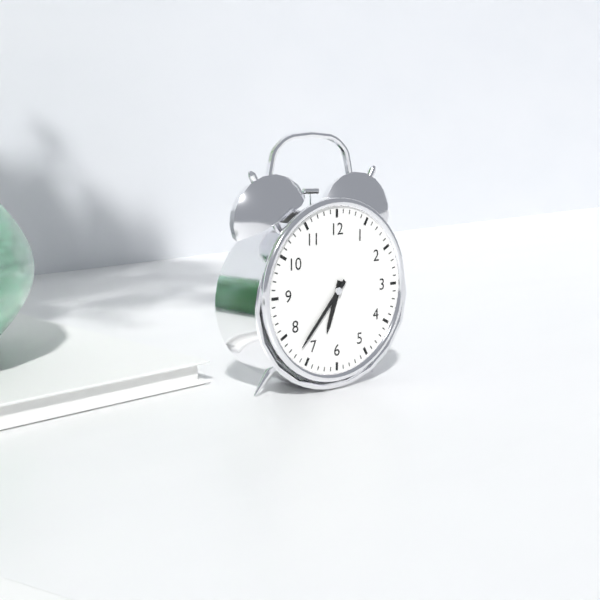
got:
6:37
